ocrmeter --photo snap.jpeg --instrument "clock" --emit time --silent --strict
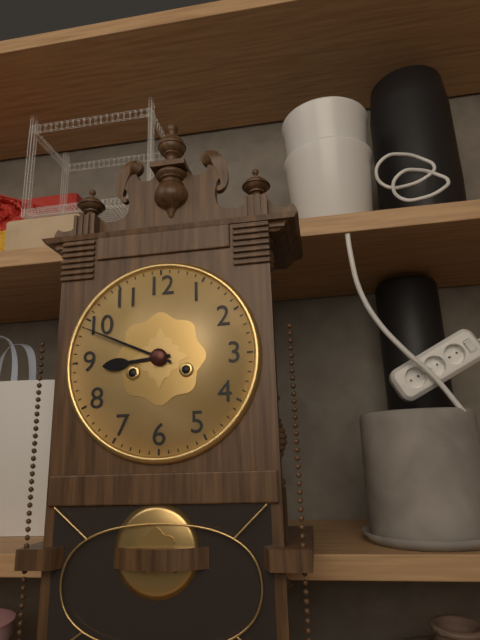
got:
8:49
